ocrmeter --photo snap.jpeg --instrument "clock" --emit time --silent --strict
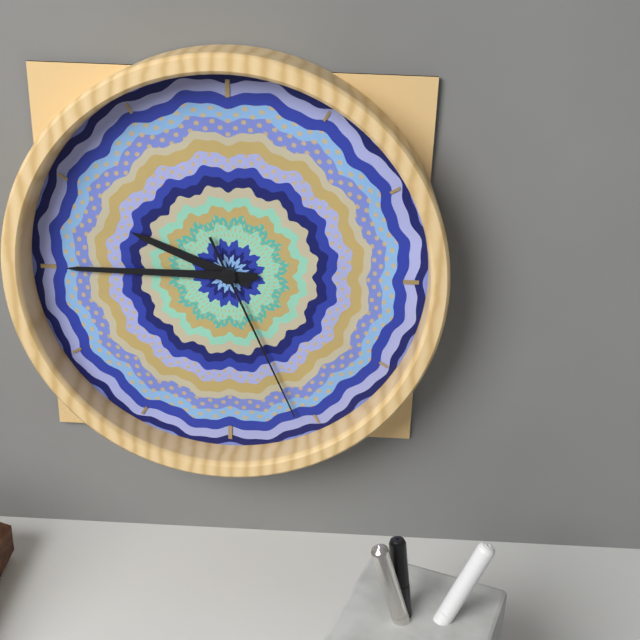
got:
9:45:26
